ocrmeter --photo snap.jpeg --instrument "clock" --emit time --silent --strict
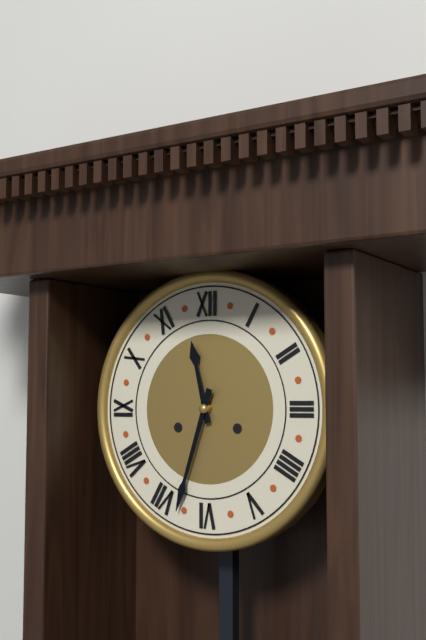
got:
11:33
